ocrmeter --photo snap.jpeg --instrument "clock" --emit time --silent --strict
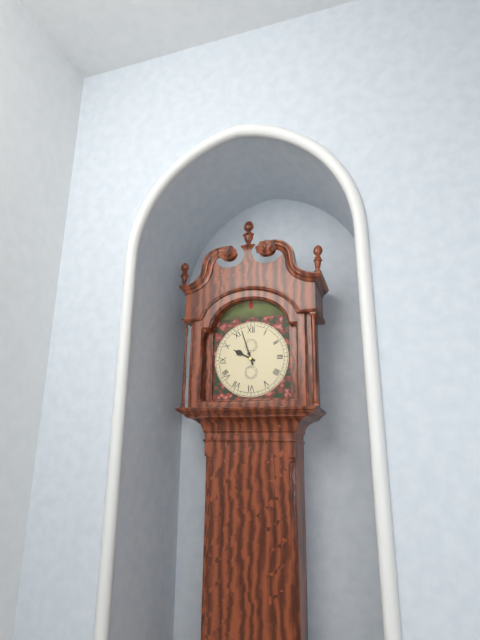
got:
9:57
